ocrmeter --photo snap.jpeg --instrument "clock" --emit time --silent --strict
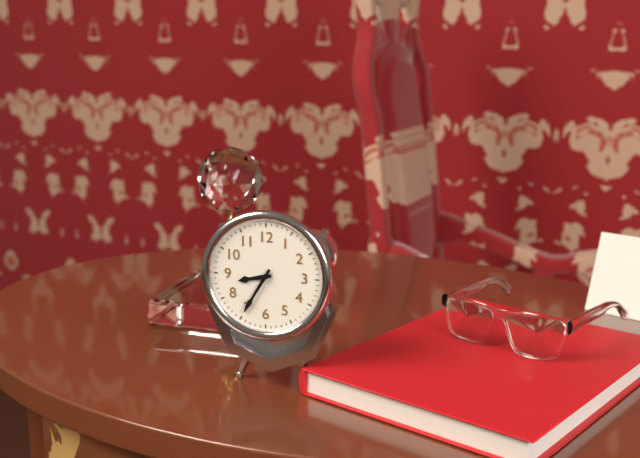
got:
8:35
